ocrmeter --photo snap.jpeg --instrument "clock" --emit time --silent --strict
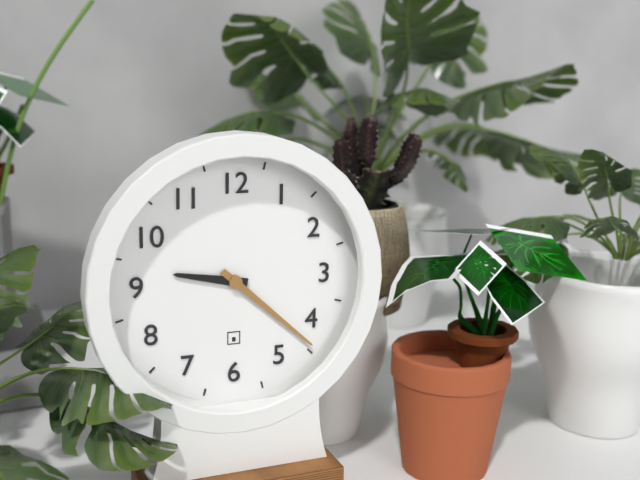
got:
9:22
